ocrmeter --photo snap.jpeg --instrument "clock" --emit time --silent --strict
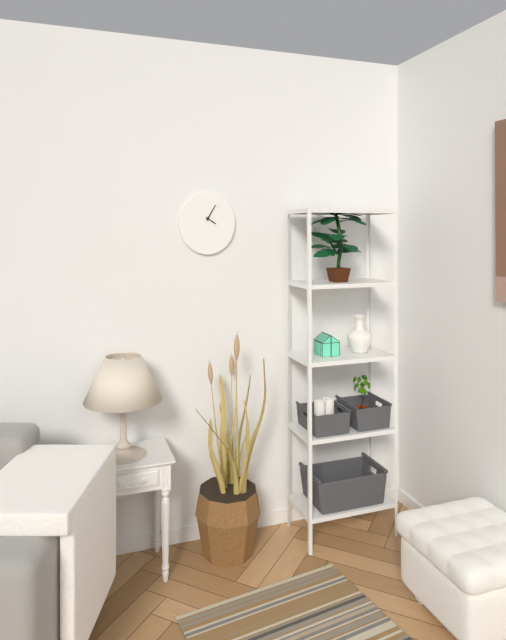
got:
4:05
